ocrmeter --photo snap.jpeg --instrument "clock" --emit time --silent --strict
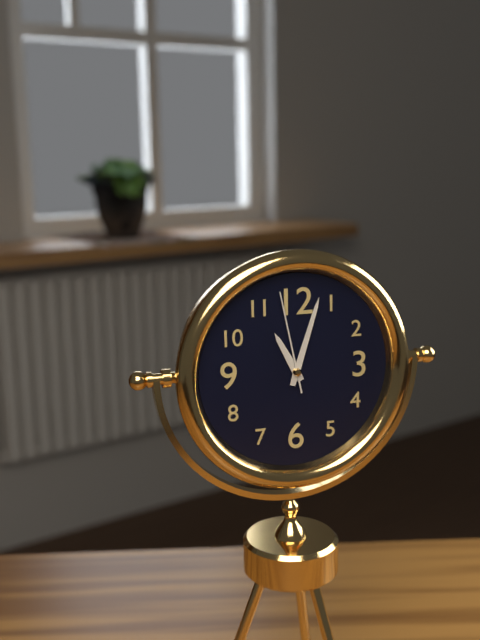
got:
11:03:58
